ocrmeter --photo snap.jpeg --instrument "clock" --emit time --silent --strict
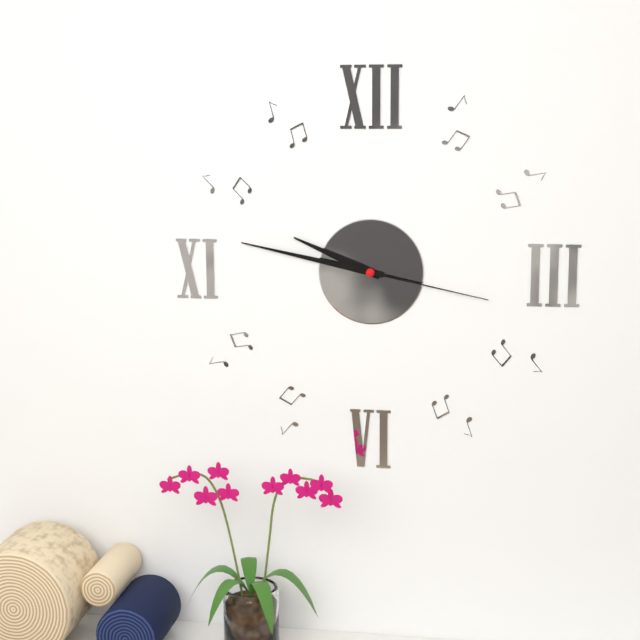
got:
9:47:17
